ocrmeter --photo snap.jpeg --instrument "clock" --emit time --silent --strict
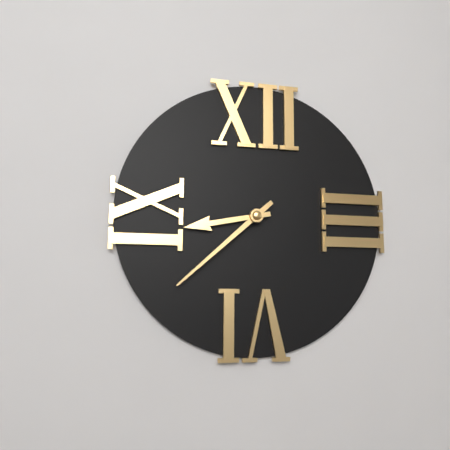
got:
8:38
